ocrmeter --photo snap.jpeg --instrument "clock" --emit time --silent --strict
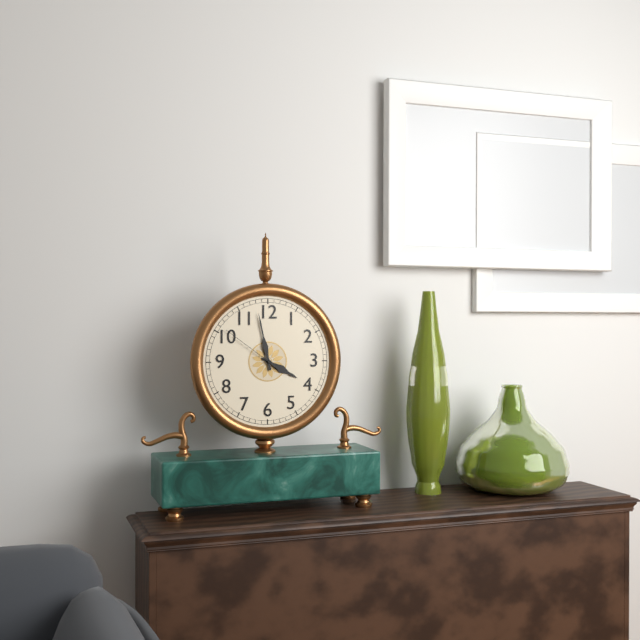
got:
3:58:51
